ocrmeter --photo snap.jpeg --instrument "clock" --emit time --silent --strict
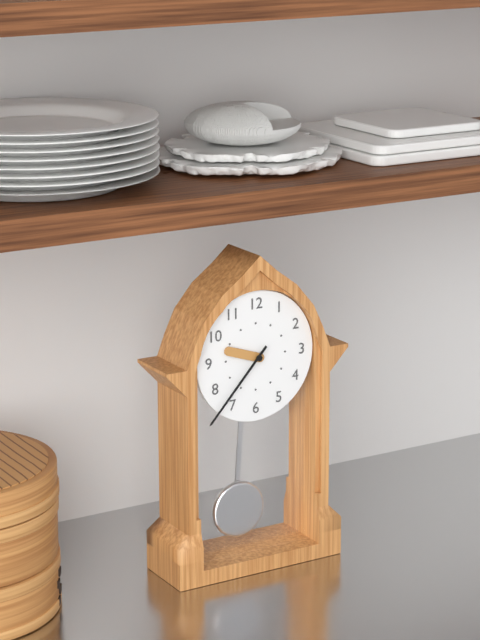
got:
9:37
